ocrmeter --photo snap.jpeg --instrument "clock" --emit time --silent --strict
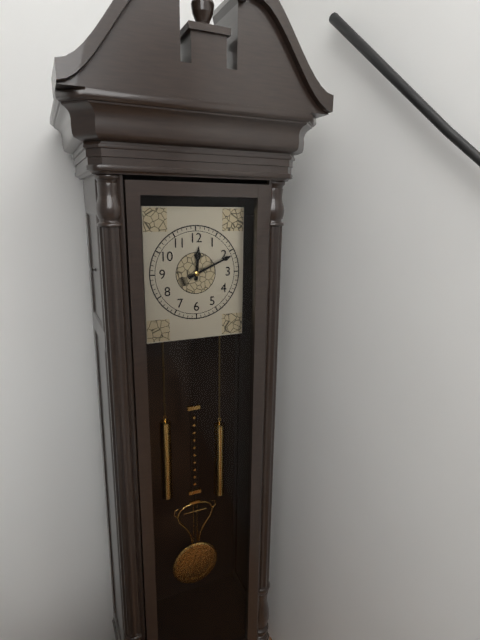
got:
12:11
